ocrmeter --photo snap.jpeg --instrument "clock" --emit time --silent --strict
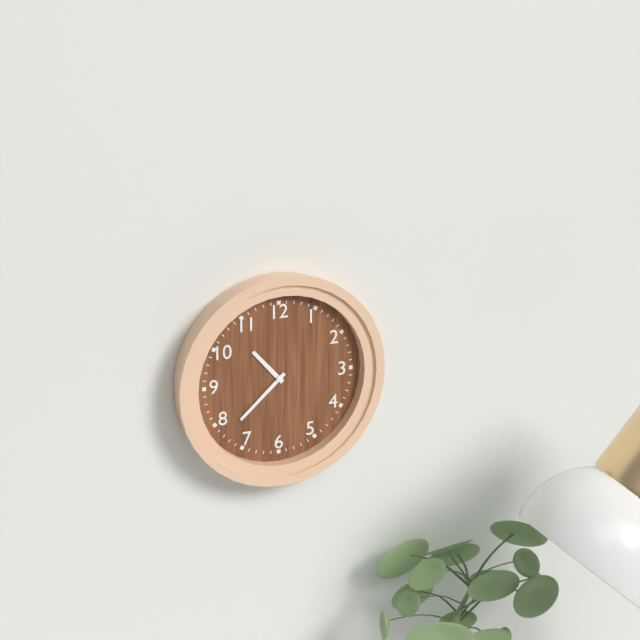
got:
10:38
